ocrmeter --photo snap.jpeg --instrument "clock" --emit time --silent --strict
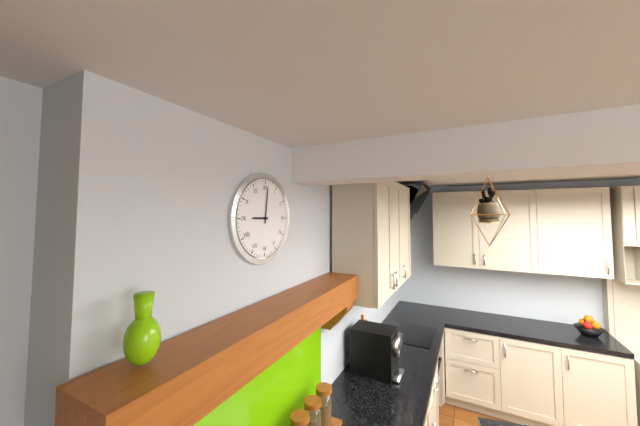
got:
9:01
